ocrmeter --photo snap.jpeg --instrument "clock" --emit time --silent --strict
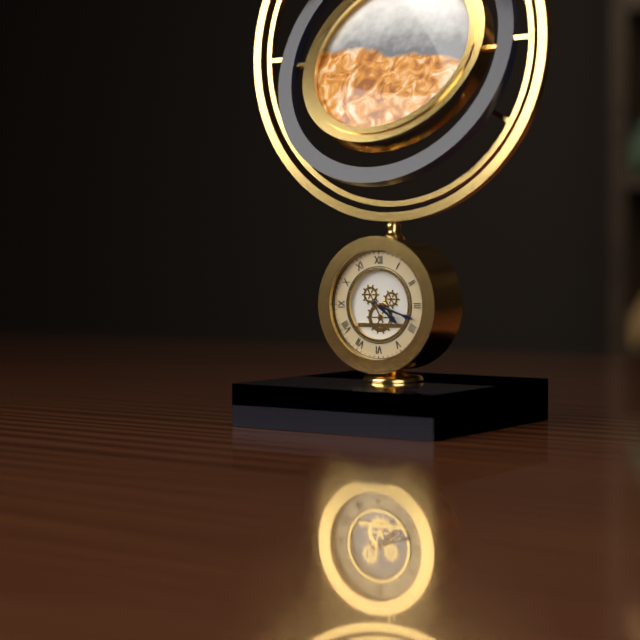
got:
4:18
